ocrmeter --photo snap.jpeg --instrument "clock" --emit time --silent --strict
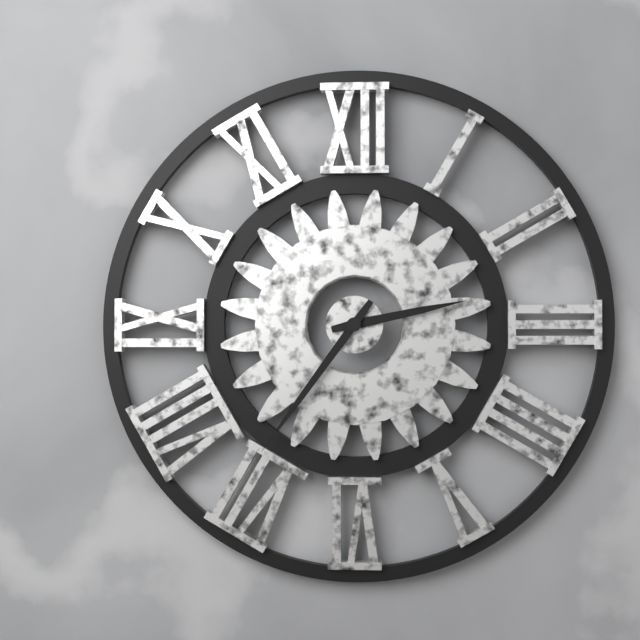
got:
2:36
